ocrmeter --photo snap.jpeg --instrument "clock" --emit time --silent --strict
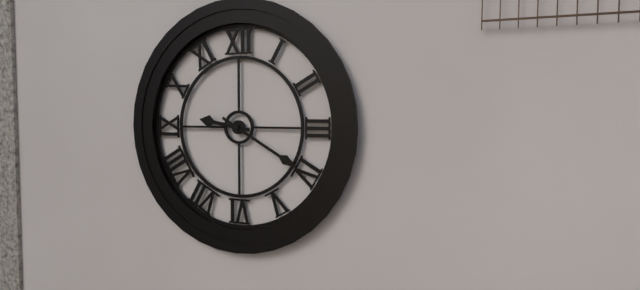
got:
9:20
